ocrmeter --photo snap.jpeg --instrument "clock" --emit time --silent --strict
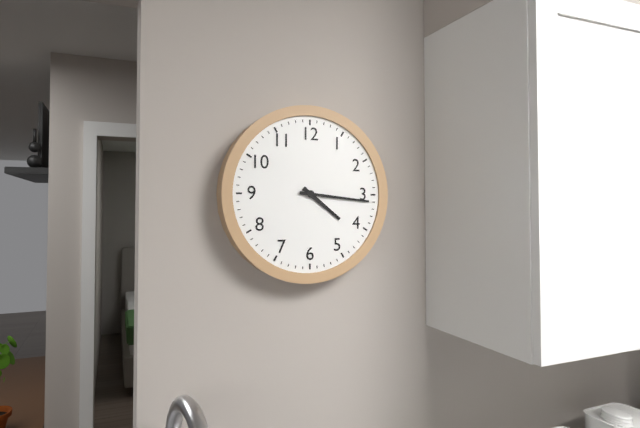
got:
4:16
